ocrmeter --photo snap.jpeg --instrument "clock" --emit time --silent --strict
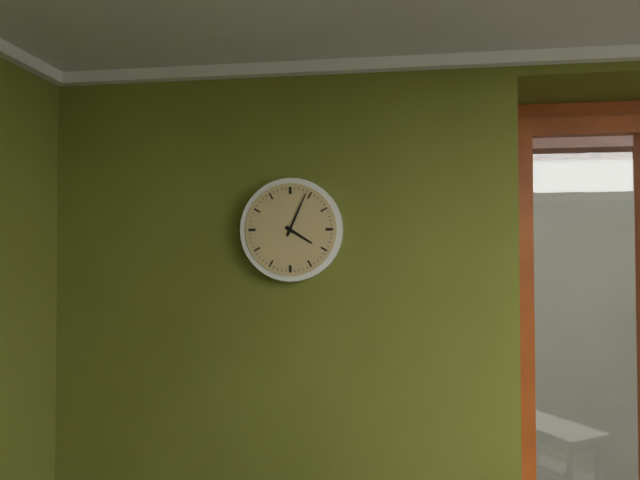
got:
4:04
